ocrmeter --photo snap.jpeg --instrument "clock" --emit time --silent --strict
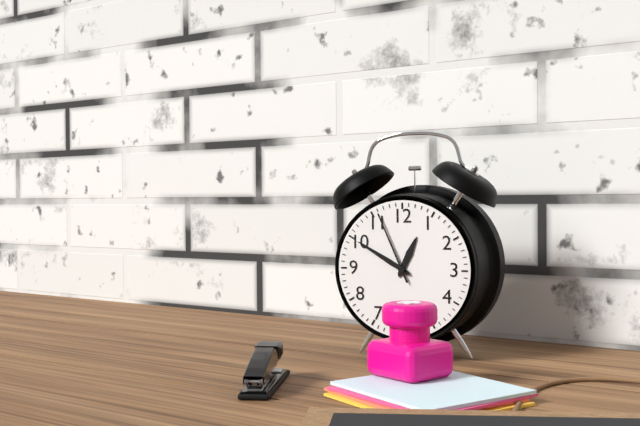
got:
12:50:56
